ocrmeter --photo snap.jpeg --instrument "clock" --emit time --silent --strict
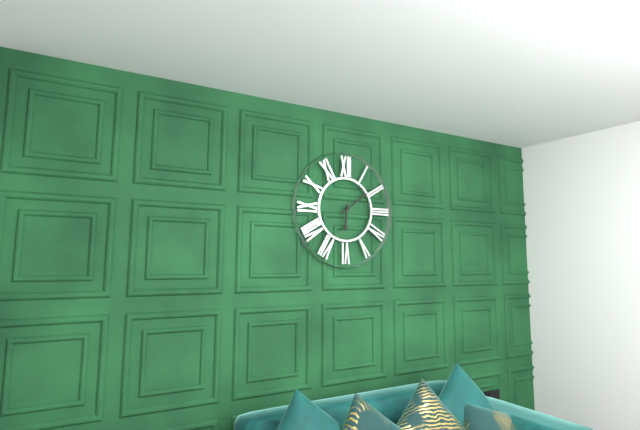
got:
6:09
